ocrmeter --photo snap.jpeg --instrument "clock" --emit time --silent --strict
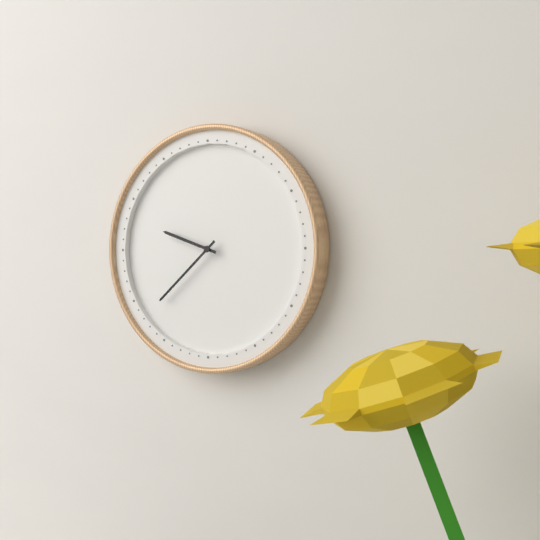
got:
9:38
